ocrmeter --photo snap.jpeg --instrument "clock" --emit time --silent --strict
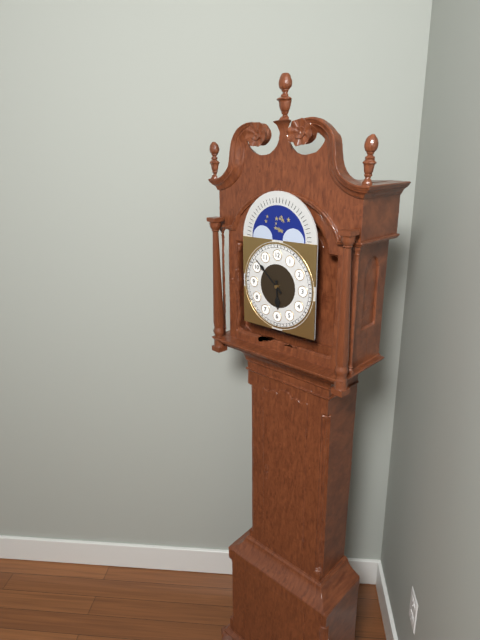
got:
5:52
